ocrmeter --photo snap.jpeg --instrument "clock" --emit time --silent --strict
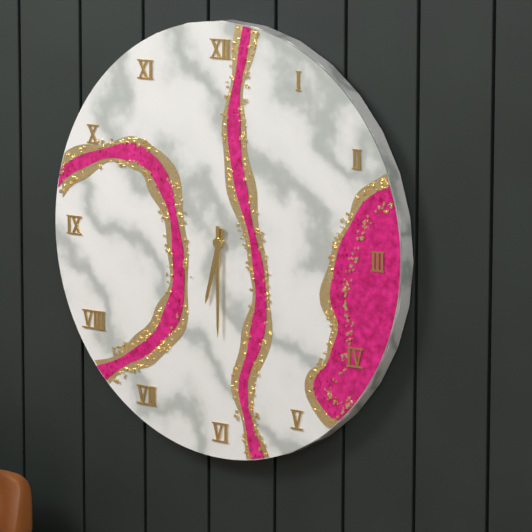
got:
6:30
